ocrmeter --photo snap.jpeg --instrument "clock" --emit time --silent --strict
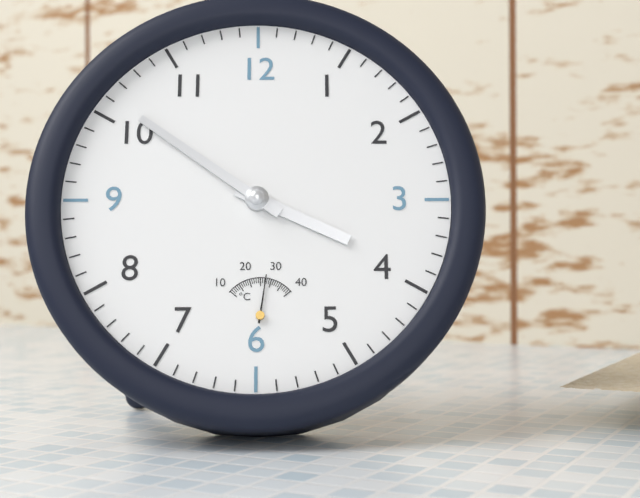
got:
3:51
